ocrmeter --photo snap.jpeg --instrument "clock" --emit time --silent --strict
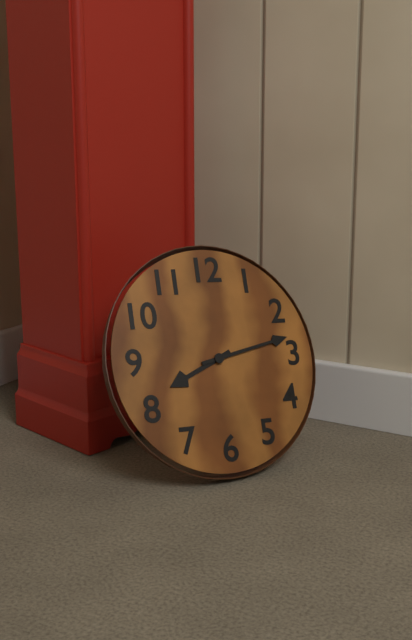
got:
8:13
